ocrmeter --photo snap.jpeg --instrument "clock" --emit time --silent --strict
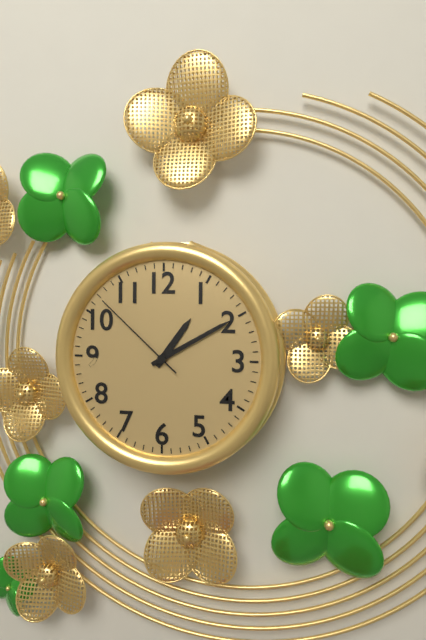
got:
1:10:52
